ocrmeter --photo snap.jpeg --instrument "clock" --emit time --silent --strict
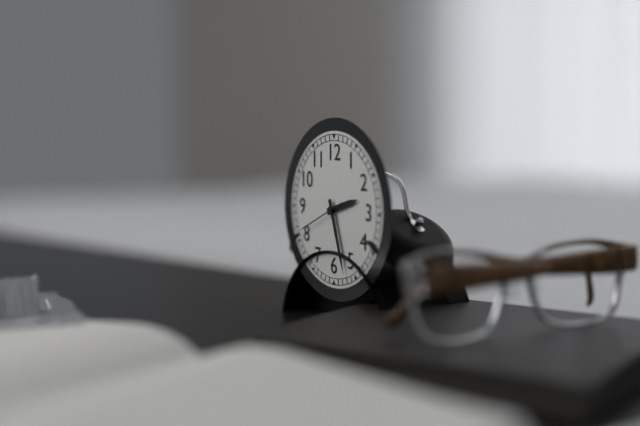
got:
2:27:41
